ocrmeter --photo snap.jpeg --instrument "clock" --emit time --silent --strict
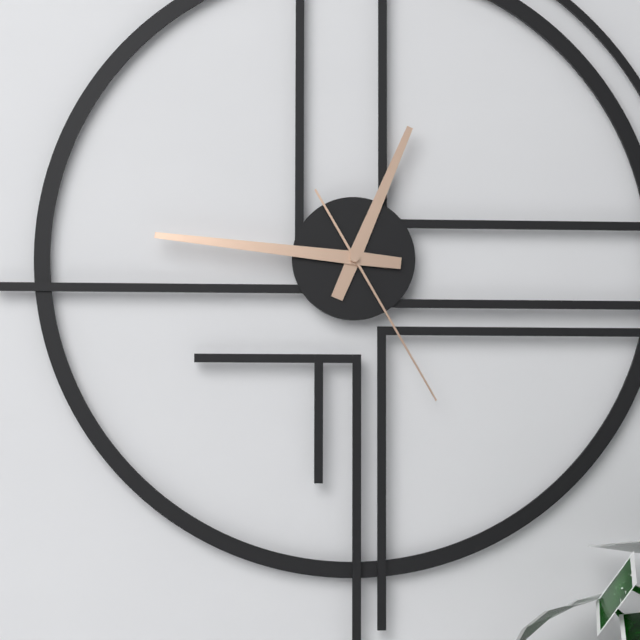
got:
12:46:25
